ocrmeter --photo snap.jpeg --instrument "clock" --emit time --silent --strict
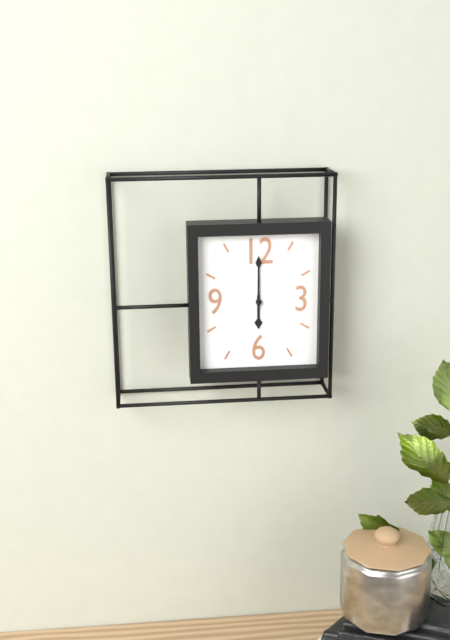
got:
6:00
